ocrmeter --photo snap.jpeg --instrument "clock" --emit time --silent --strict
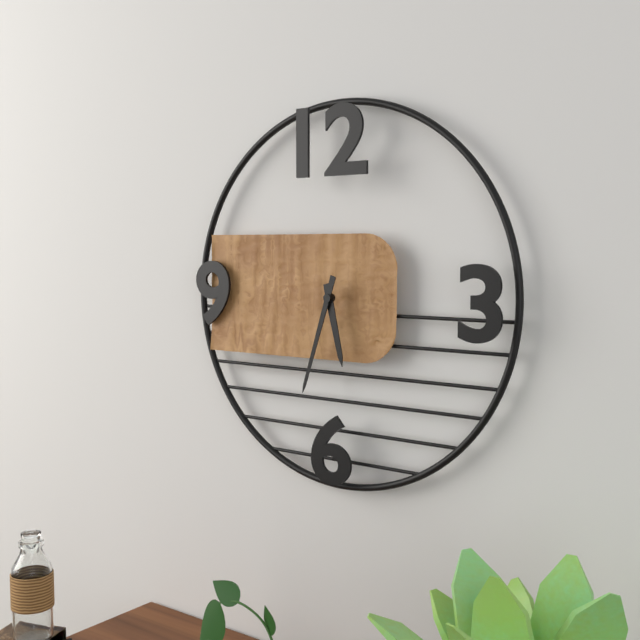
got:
5:33
